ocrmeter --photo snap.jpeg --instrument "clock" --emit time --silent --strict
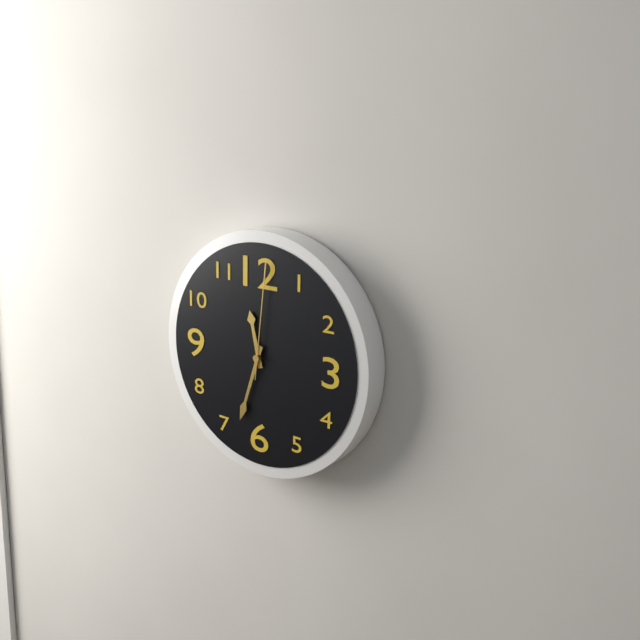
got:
11:33:01
